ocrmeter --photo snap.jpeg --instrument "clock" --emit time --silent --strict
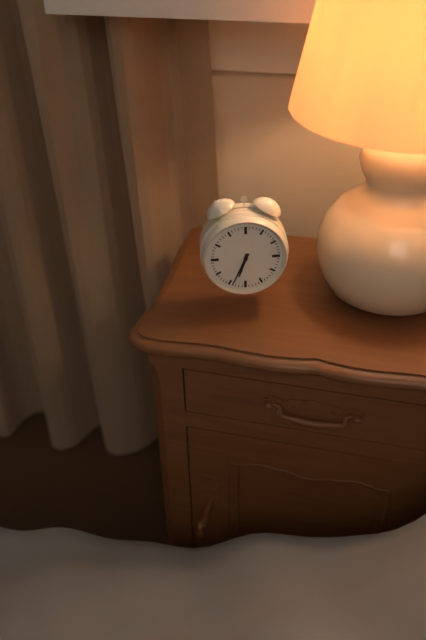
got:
6:34
